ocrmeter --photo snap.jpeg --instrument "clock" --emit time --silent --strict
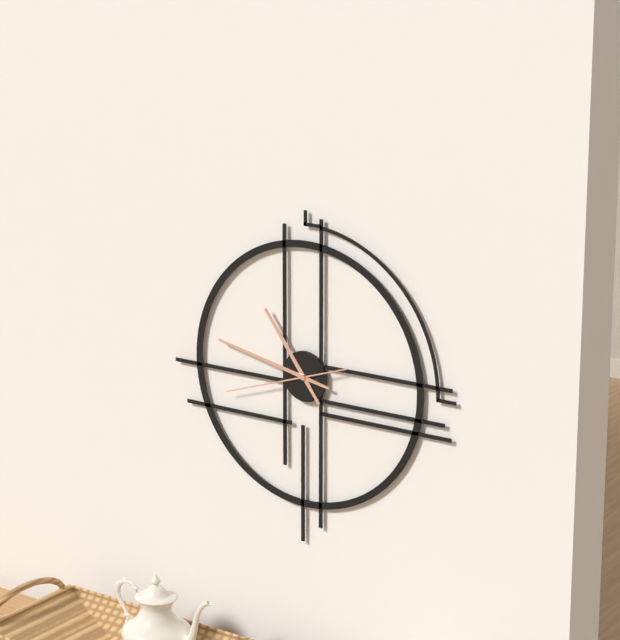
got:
10:47:42
